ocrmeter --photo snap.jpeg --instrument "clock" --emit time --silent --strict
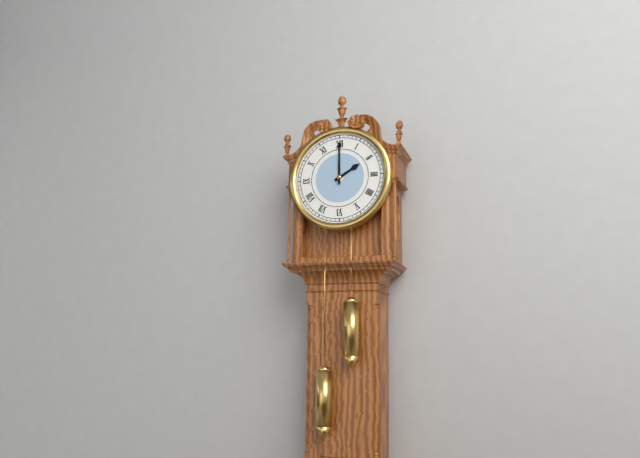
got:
2:00
